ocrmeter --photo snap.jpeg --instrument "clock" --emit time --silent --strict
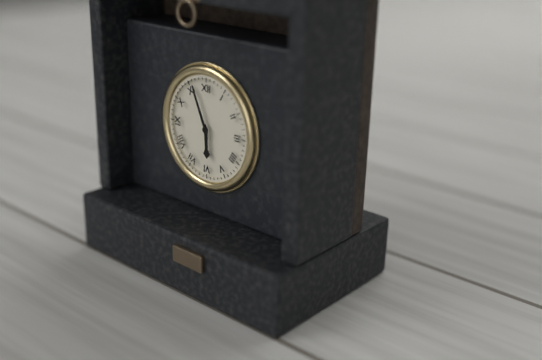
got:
5:56
